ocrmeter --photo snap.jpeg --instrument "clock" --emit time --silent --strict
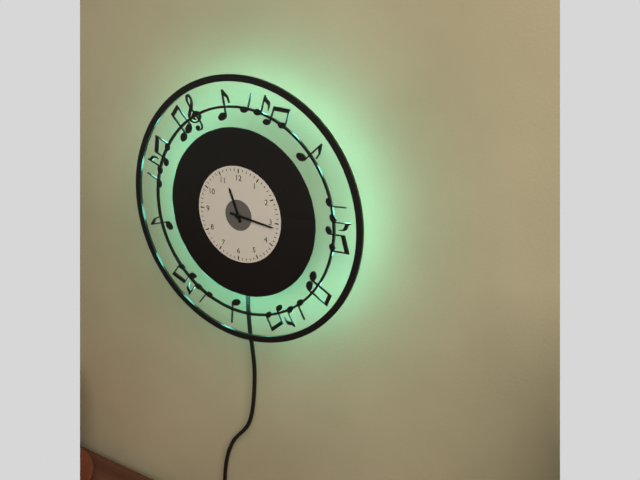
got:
11:16
